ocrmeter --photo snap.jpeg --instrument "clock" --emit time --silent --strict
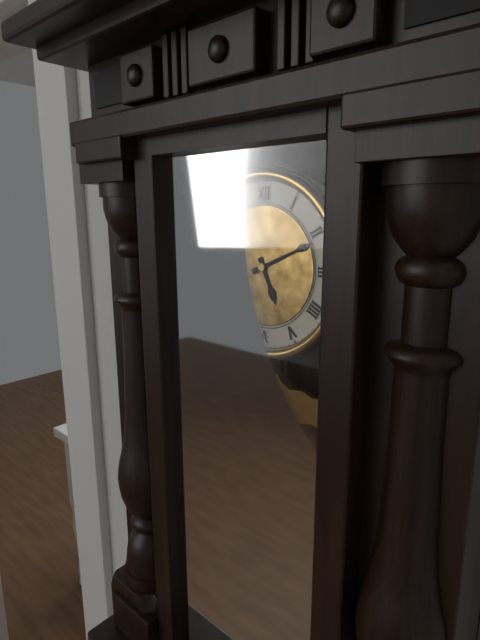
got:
5:11
